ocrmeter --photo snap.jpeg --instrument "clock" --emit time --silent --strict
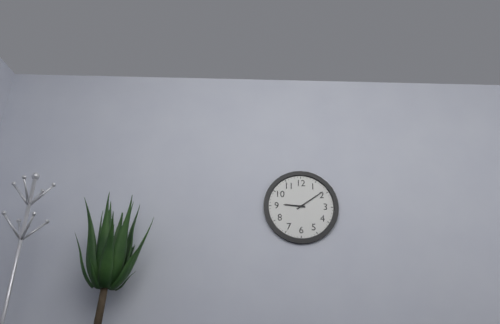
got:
9:09
